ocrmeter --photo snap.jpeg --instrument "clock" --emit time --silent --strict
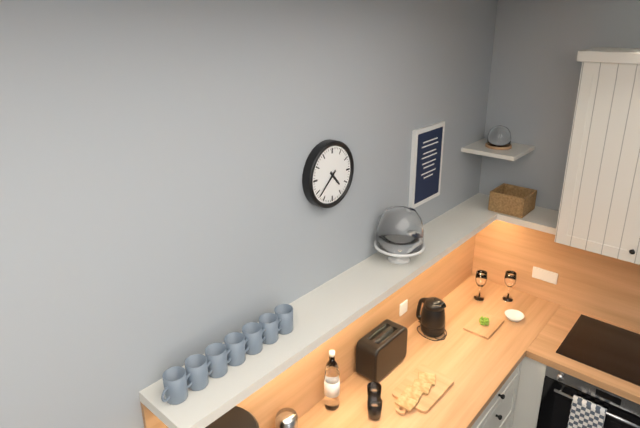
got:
4:38
